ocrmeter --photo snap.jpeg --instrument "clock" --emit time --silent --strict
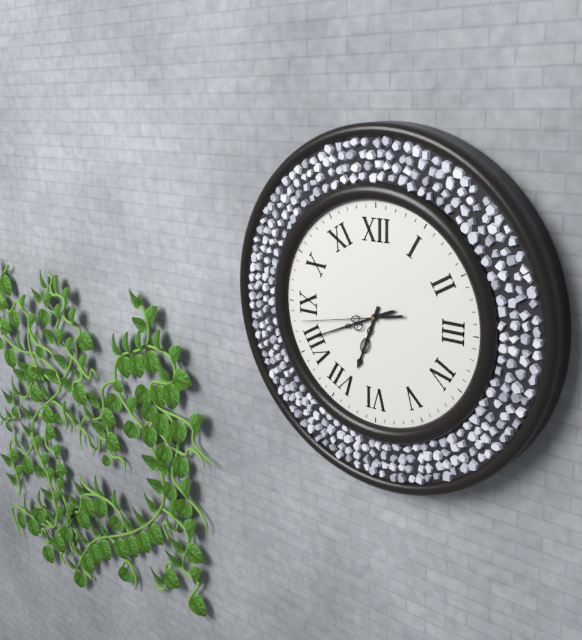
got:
6:41:43
